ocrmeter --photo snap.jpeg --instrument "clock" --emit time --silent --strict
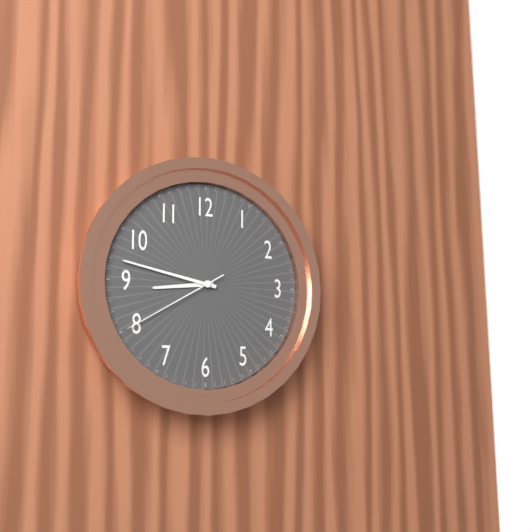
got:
8:47:40
